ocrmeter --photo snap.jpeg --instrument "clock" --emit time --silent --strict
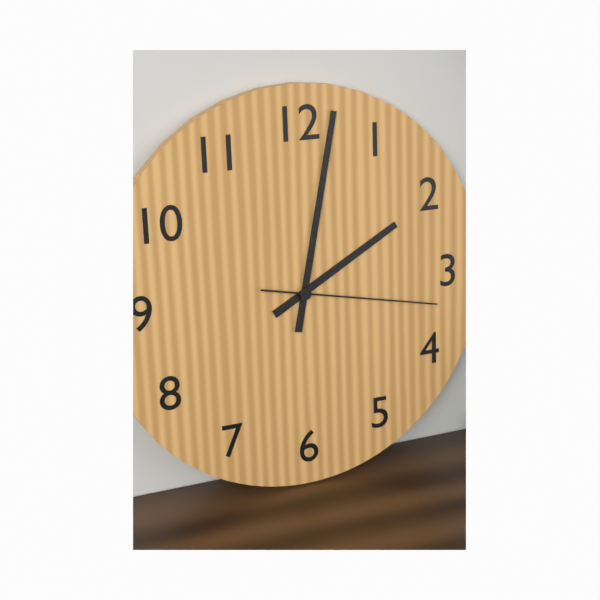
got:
2:02:17
